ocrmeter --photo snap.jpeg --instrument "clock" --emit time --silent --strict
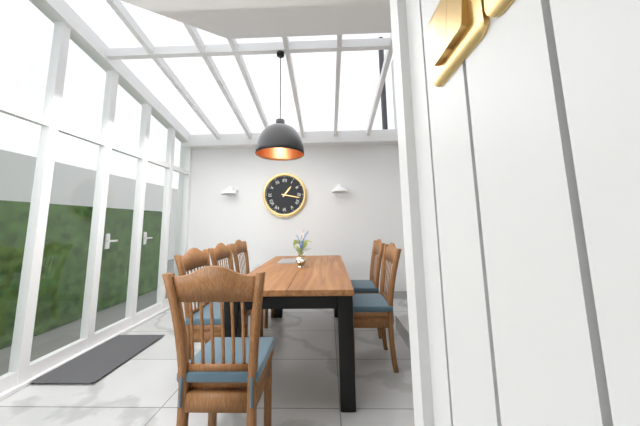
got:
1:17
